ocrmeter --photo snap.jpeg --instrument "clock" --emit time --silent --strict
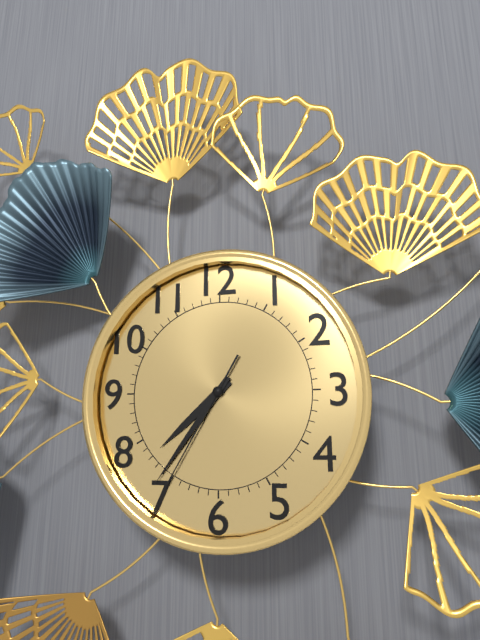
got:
7:36:35
